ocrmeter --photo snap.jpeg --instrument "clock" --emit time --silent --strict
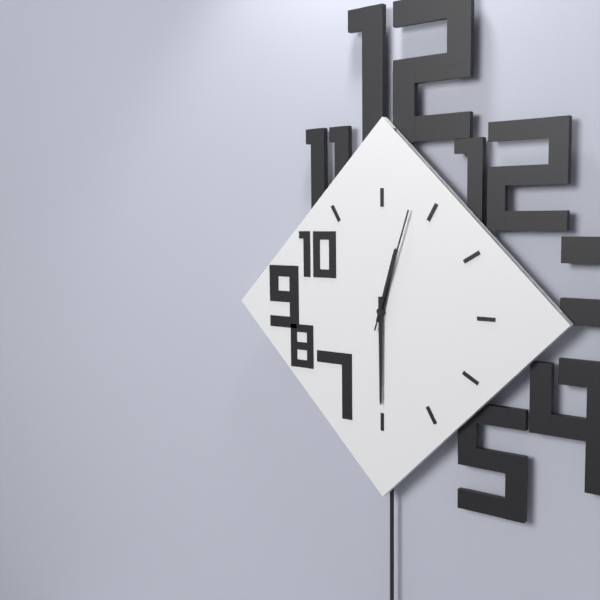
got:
12:30:03
